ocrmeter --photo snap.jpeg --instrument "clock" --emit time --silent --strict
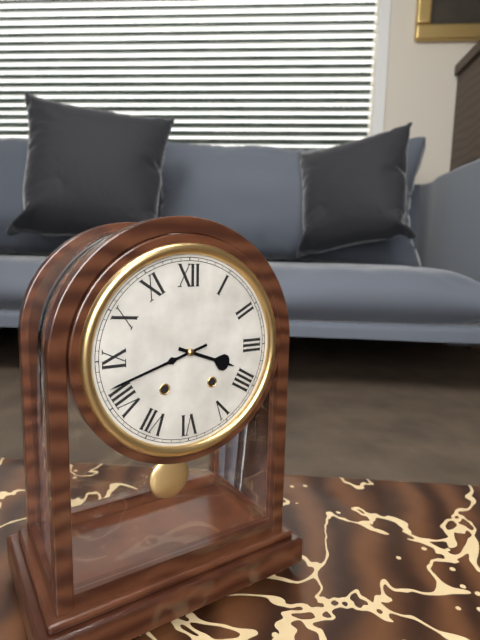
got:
3:42
